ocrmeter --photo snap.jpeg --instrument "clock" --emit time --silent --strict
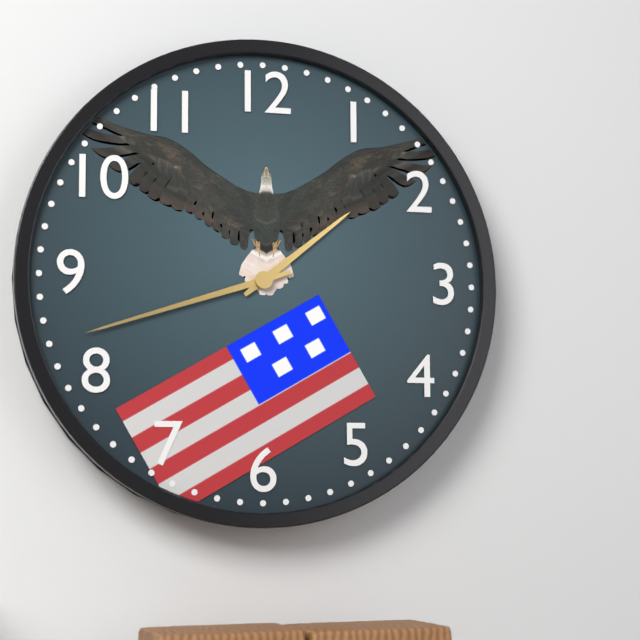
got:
1:42
